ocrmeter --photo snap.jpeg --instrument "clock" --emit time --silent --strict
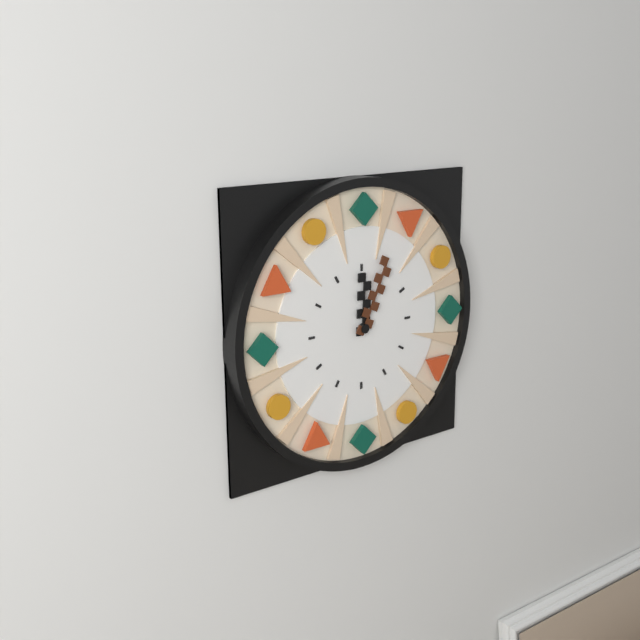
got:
12:04
